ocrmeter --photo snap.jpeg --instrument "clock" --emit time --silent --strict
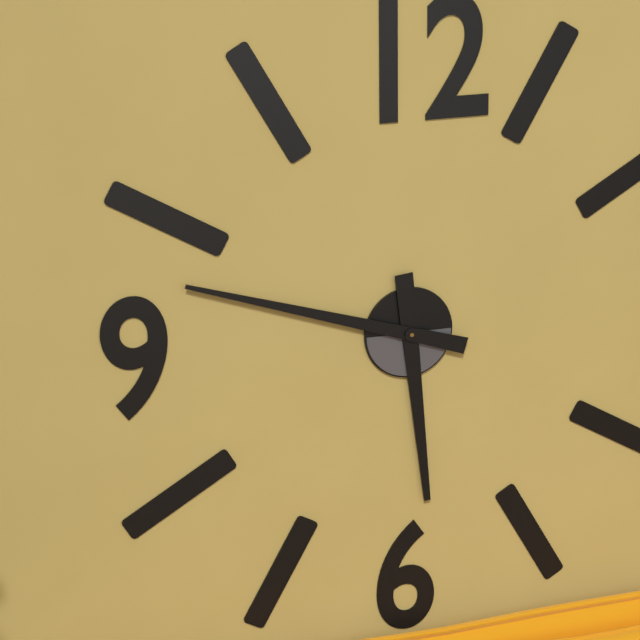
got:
5:48
